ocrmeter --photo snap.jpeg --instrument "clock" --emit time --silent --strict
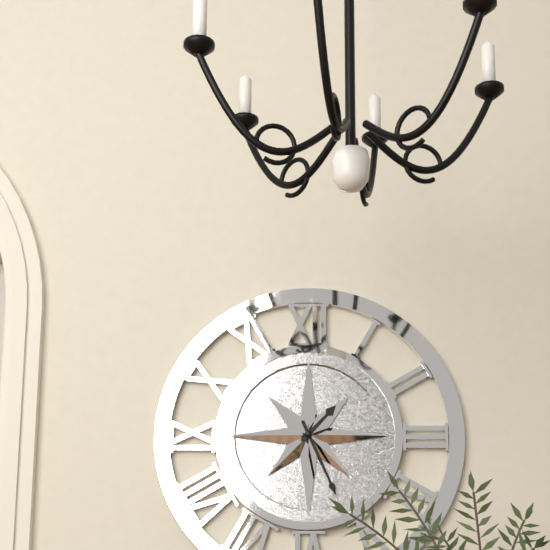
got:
1:26
